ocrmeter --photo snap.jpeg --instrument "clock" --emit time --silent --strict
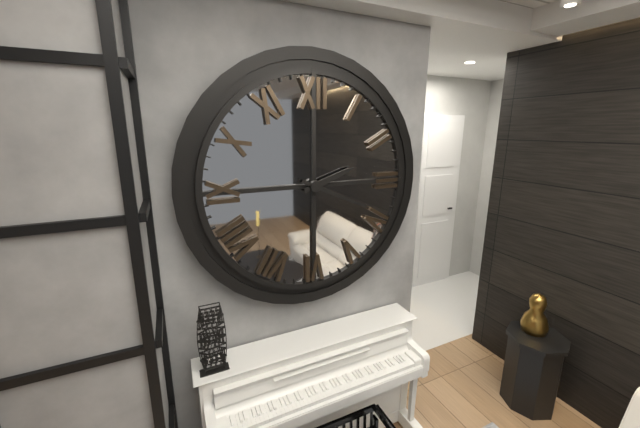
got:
2:19
